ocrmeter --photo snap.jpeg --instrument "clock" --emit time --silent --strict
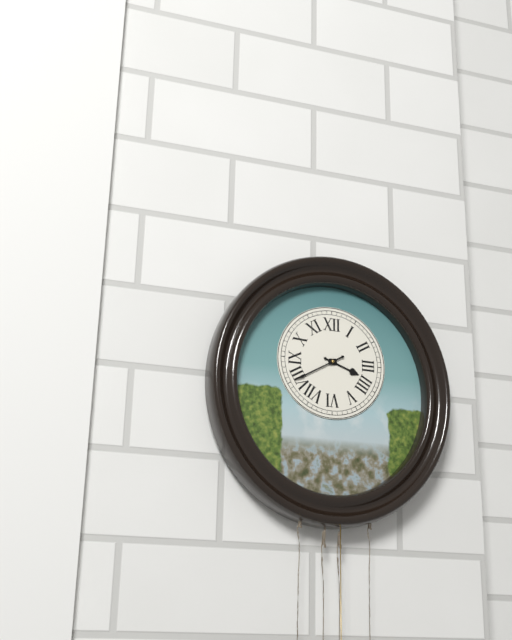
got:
3:40
